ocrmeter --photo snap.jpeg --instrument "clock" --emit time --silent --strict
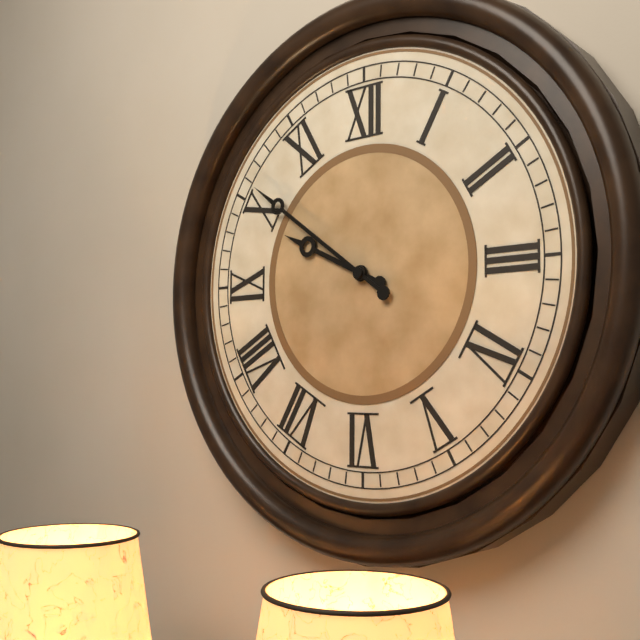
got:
9:51
